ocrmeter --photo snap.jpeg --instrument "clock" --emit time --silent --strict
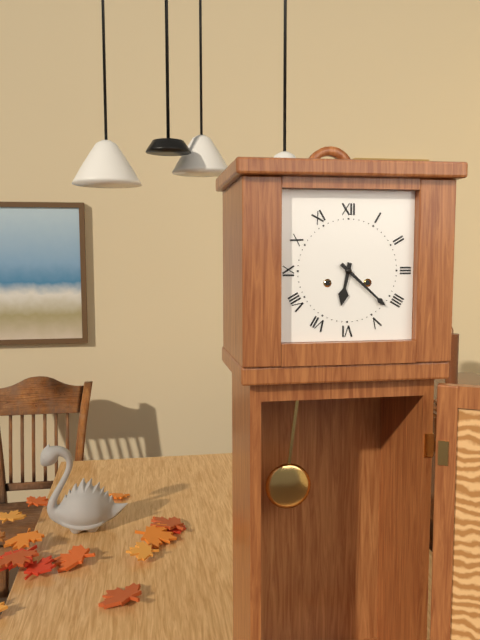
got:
6:22
